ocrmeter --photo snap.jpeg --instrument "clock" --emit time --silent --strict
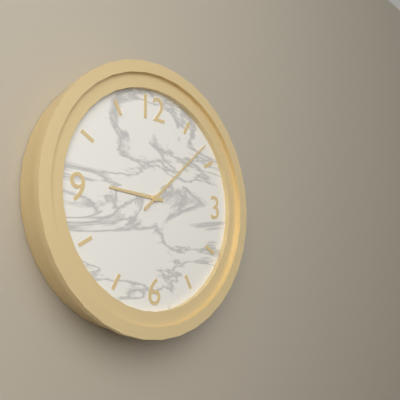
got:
9:08
